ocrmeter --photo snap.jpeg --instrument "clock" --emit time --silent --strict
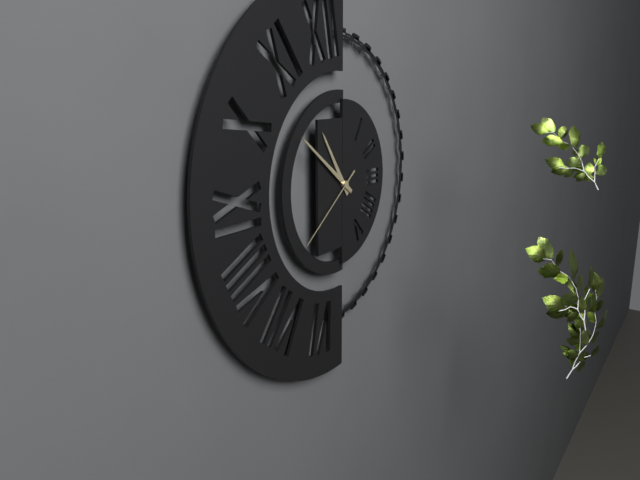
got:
10:51:39
